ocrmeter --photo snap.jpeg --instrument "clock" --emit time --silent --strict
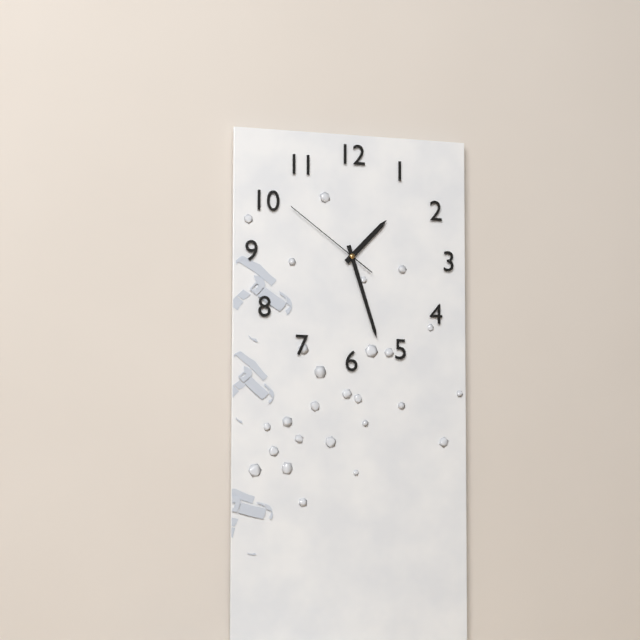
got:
1:27:51
